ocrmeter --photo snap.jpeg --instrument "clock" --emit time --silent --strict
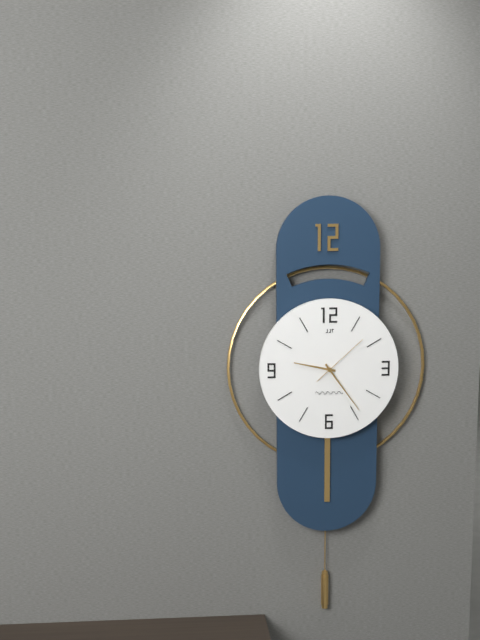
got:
9:24:08
